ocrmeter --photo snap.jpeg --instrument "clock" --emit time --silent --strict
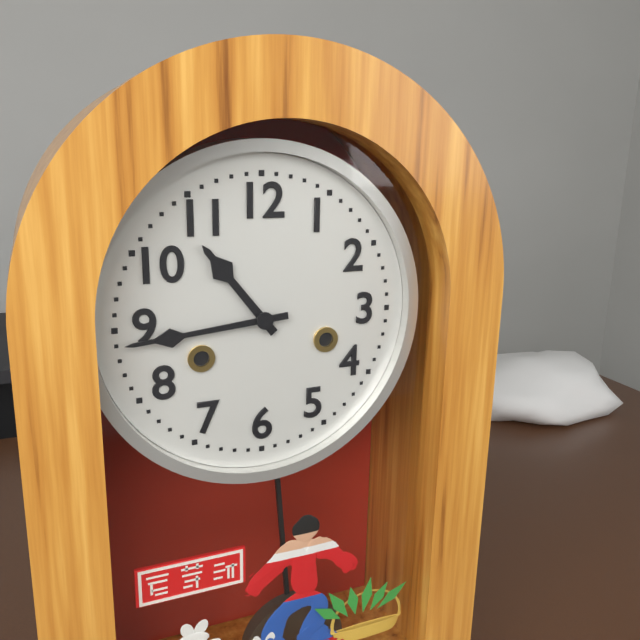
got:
10:44
